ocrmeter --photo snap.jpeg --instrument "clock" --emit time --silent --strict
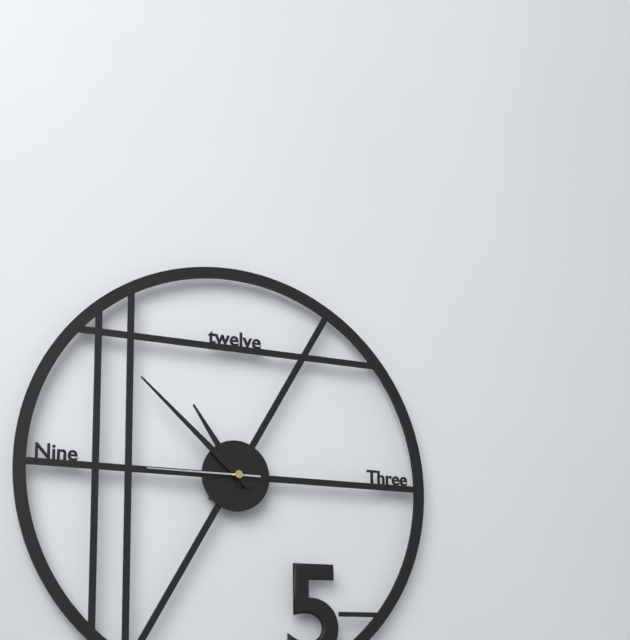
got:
10:52:45
